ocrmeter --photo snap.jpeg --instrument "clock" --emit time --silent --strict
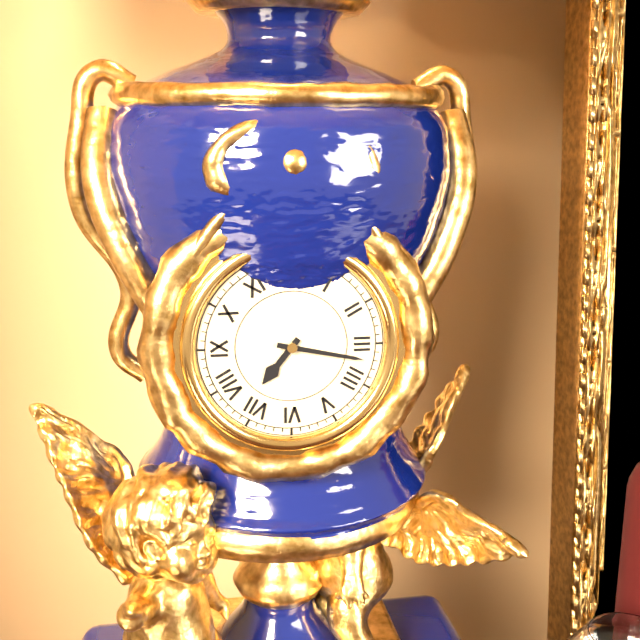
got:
7:17
